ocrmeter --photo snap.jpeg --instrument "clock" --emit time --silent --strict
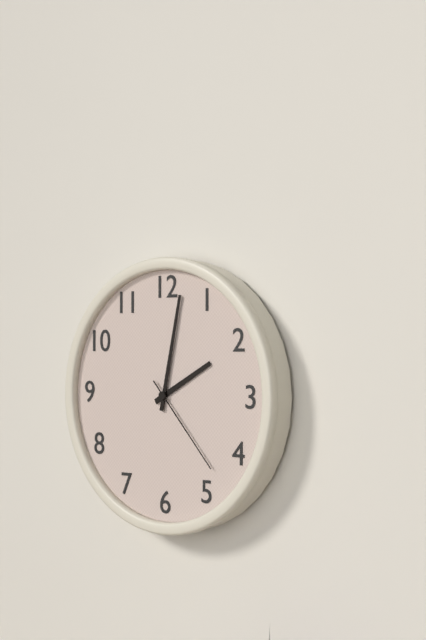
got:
2:02:23
